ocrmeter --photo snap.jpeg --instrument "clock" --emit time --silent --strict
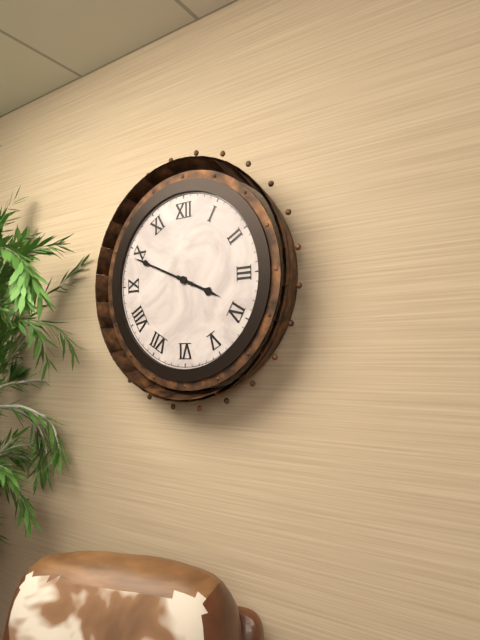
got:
3:49
